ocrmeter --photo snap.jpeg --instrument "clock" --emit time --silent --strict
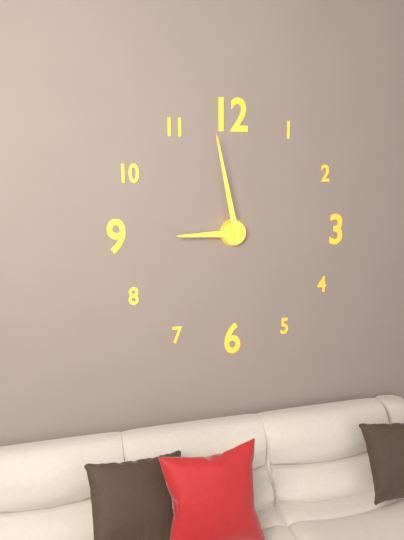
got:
8:58
